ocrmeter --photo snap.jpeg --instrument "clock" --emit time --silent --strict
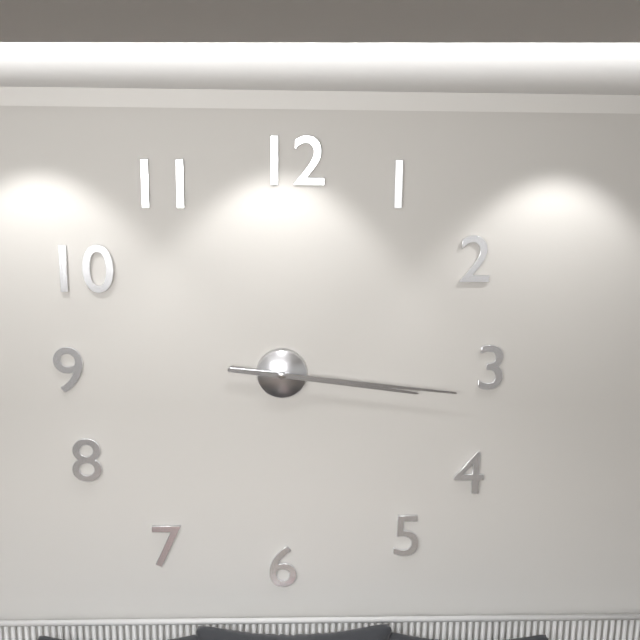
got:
3:16
